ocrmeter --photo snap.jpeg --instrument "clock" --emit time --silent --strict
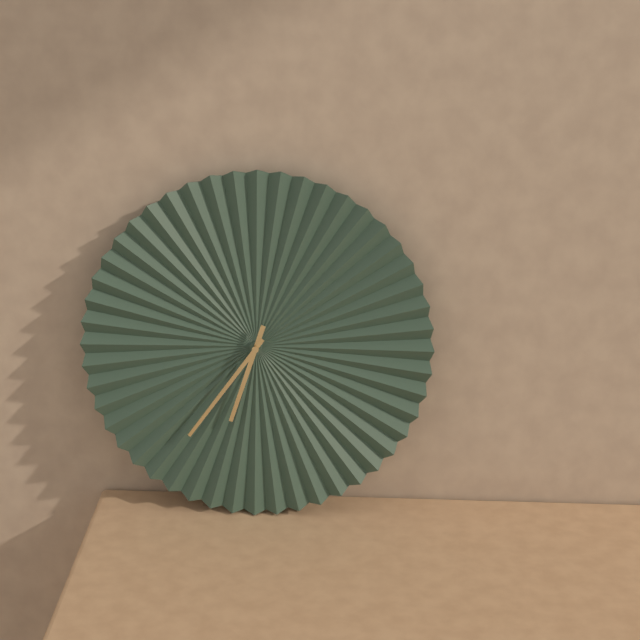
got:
6:36
